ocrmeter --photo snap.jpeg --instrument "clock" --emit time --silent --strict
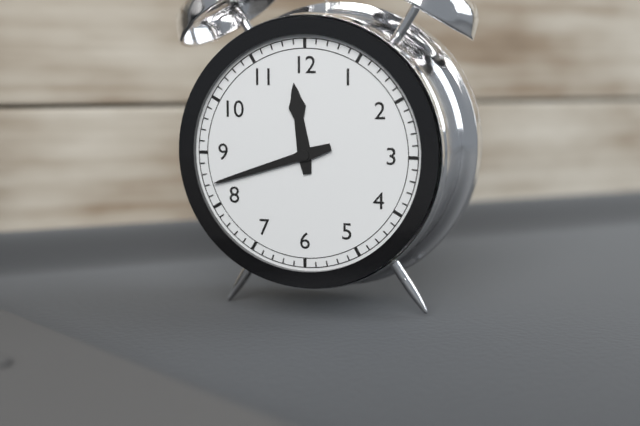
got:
11:42
